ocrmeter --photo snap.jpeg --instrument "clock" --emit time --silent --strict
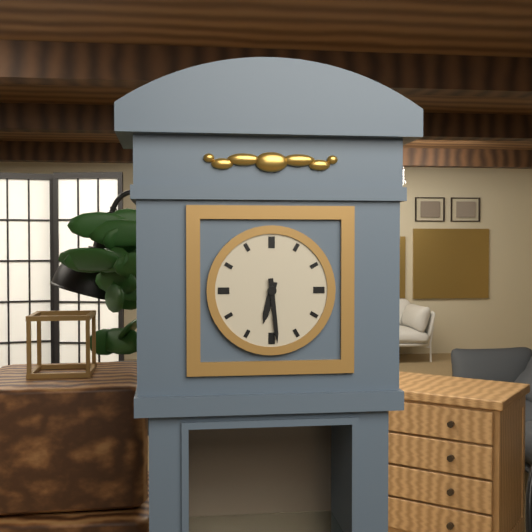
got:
6:29
